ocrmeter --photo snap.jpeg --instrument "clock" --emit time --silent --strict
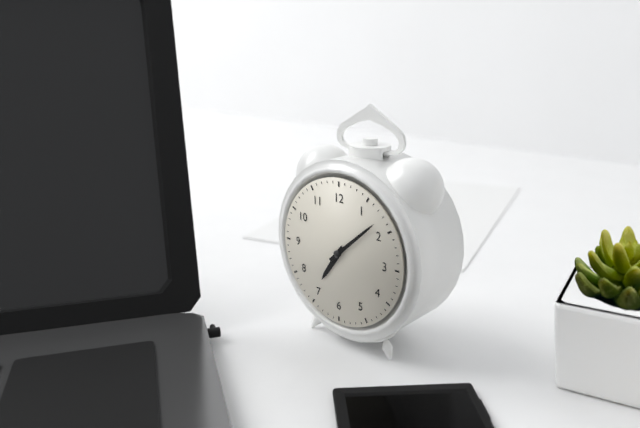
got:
7:08
